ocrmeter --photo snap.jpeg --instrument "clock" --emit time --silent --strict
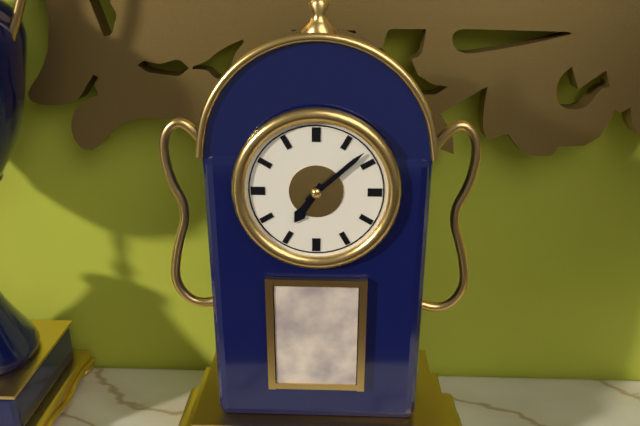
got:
7:08
